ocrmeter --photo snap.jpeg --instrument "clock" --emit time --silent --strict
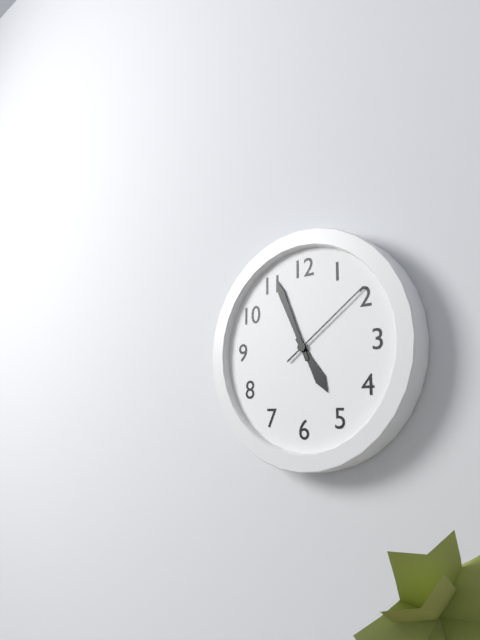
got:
4:56:09
